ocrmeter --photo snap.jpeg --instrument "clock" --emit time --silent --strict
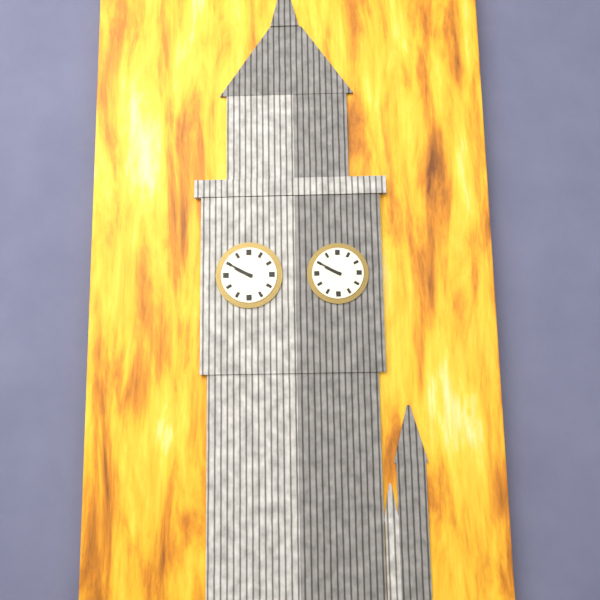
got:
9:50
